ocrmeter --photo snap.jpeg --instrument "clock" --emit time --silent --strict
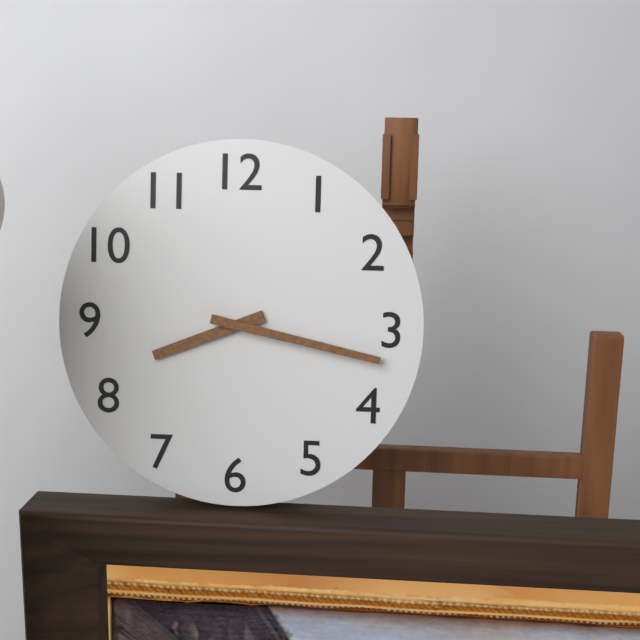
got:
8:17
